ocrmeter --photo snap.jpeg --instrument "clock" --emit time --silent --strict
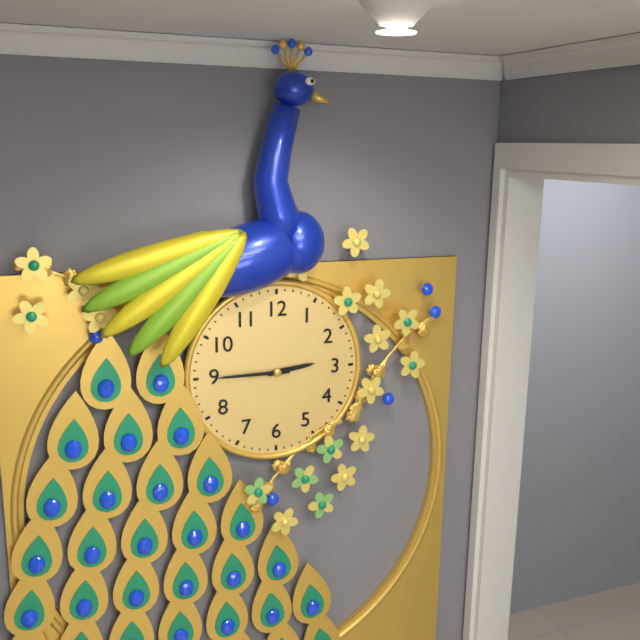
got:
2:45
